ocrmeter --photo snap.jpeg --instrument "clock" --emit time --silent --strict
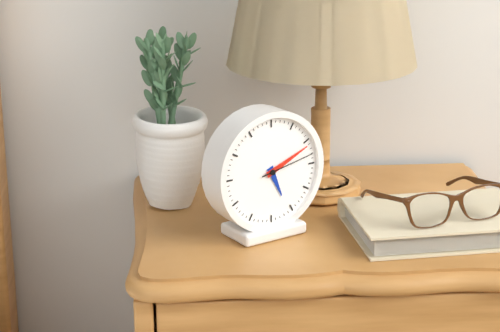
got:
5:11:13
